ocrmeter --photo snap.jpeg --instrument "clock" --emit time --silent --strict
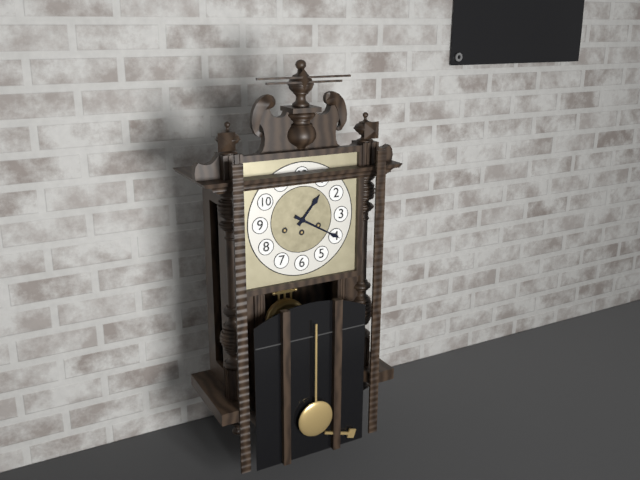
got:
1:20
